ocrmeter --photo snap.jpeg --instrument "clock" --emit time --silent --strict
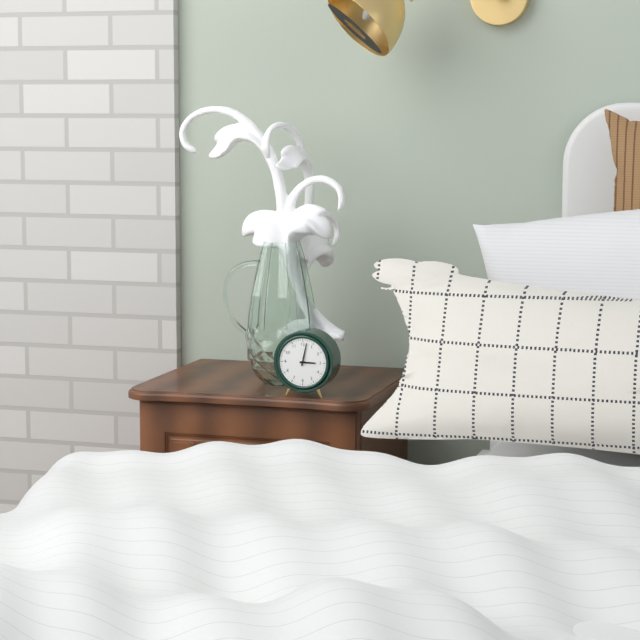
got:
3:02
